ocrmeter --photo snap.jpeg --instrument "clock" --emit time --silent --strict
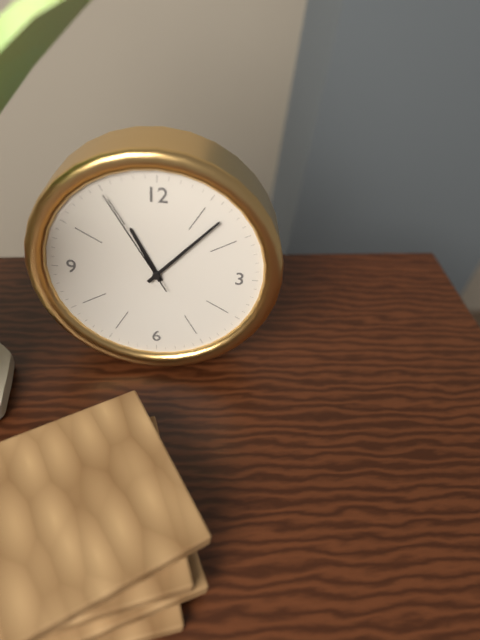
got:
11:07:55
